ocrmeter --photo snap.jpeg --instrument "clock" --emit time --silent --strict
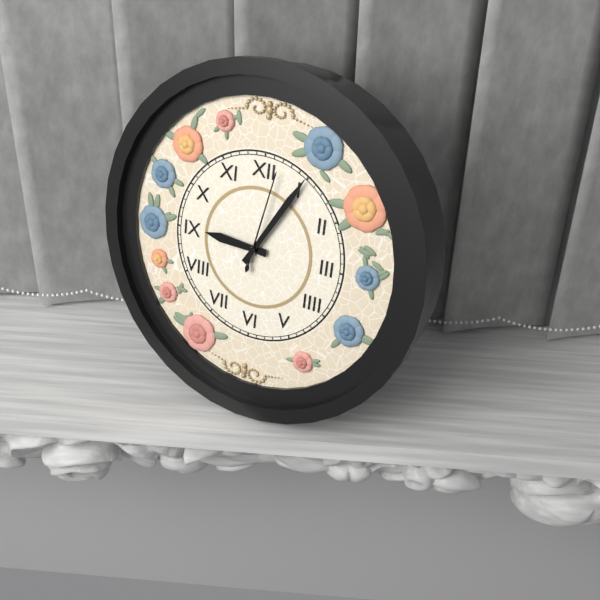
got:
9:05:02
